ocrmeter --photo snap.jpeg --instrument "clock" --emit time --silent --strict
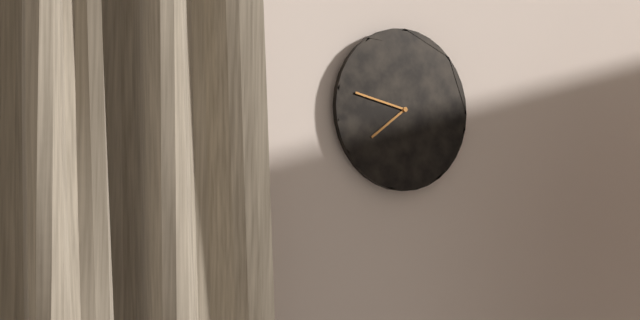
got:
7:47
